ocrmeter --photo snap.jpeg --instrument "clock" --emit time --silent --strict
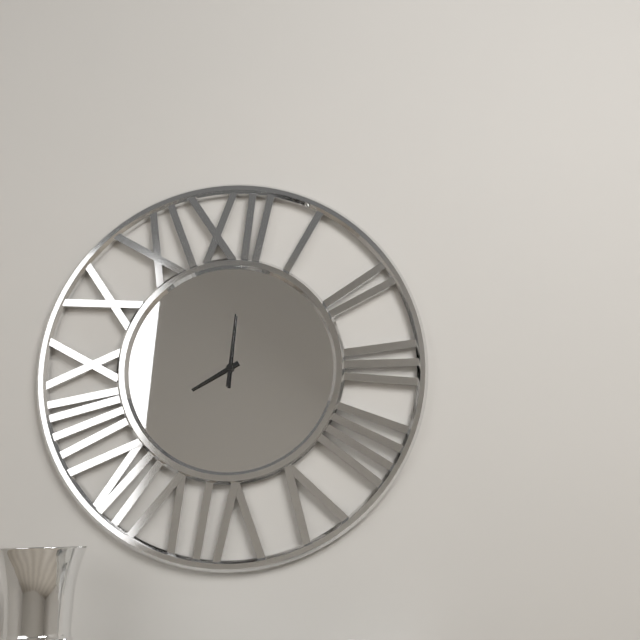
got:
8:01
